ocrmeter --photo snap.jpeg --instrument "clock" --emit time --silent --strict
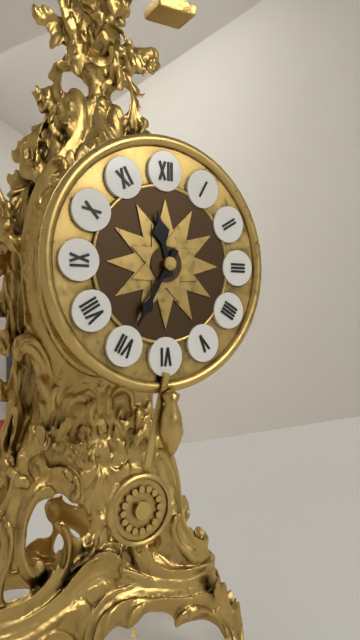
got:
11:35
